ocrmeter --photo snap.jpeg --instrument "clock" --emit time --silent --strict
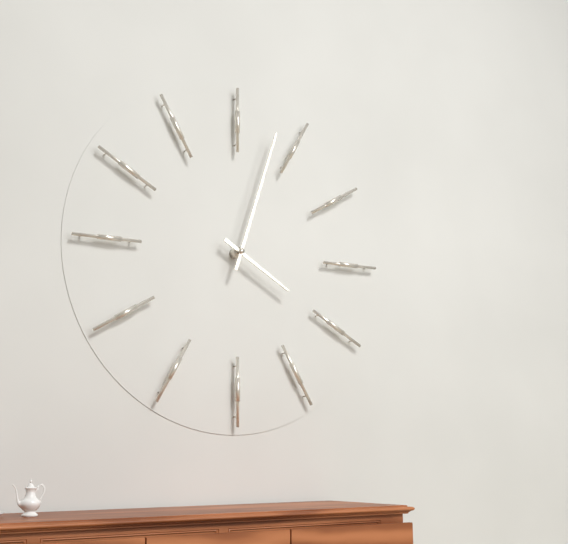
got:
4:03
